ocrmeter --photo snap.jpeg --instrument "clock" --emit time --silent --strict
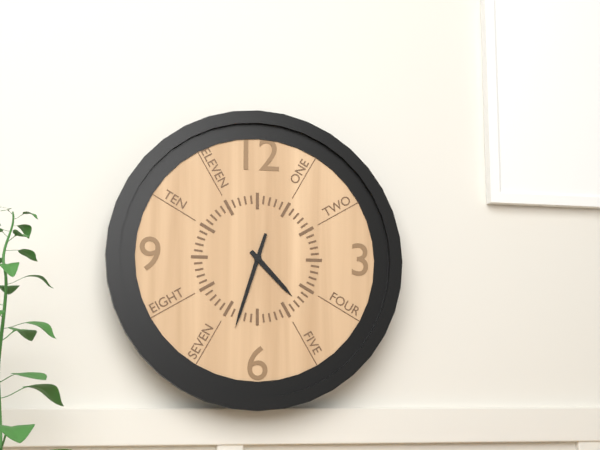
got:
4:33
